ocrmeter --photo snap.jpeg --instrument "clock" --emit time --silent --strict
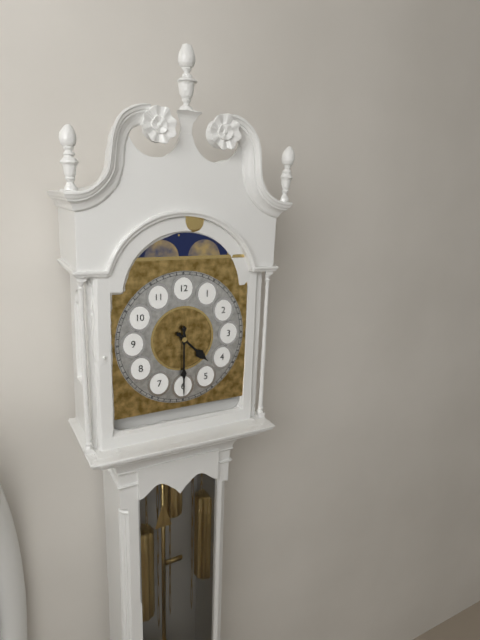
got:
4:30
